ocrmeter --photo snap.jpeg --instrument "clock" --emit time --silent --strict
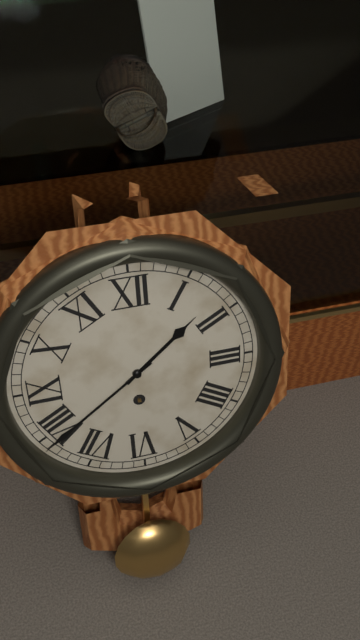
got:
1:39
